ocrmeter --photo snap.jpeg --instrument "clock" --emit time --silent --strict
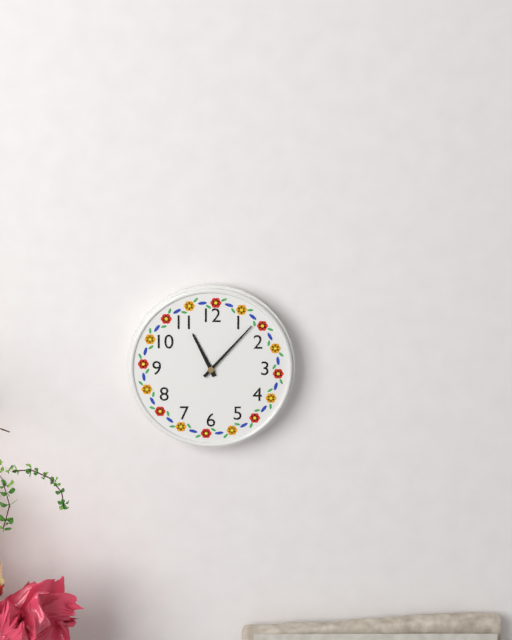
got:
11:07
